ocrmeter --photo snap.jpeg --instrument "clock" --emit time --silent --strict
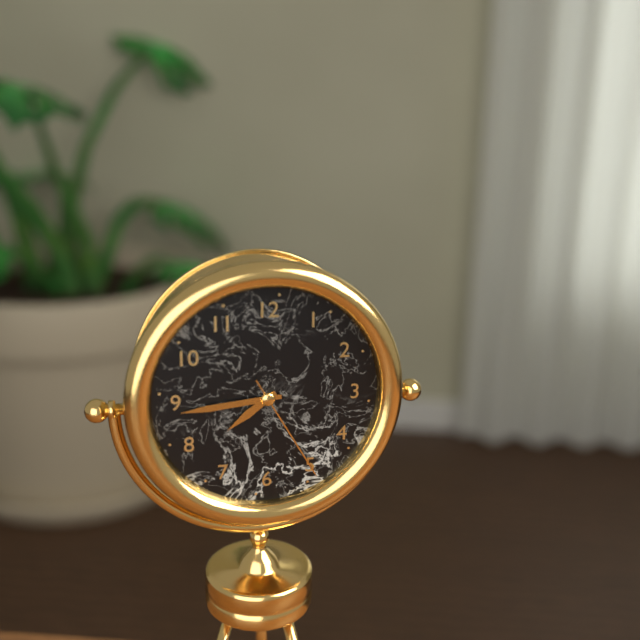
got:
7:44:25
